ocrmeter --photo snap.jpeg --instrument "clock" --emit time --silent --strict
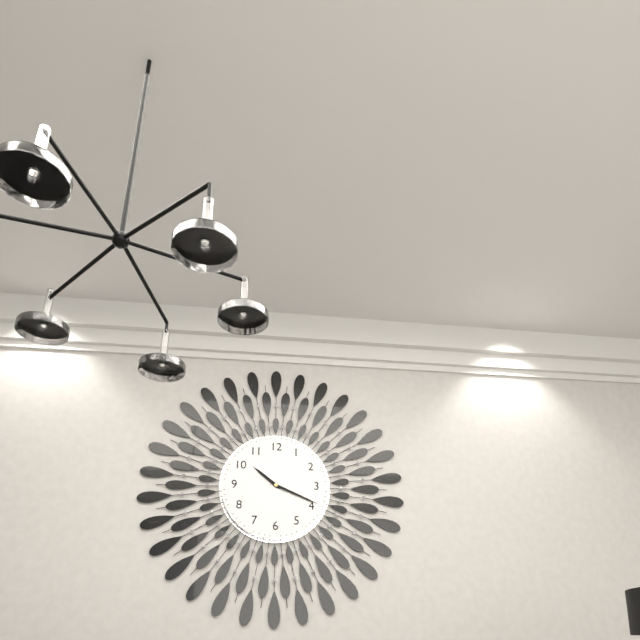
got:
10:19
